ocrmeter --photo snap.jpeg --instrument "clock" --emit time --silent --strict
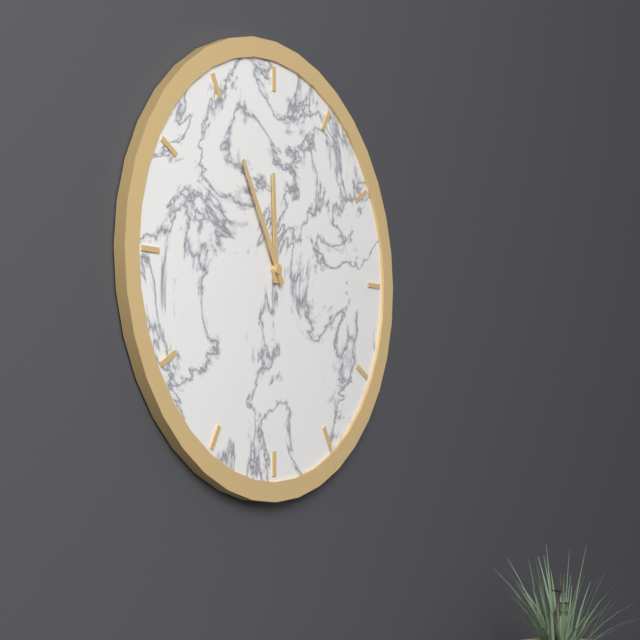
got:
11:55
